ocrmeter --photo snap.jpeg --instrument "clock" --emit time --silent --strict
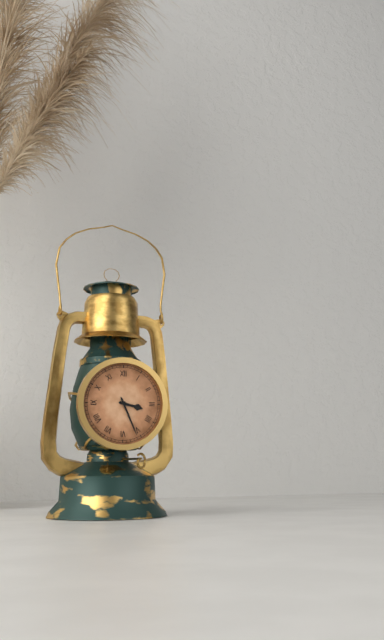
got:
3:26
